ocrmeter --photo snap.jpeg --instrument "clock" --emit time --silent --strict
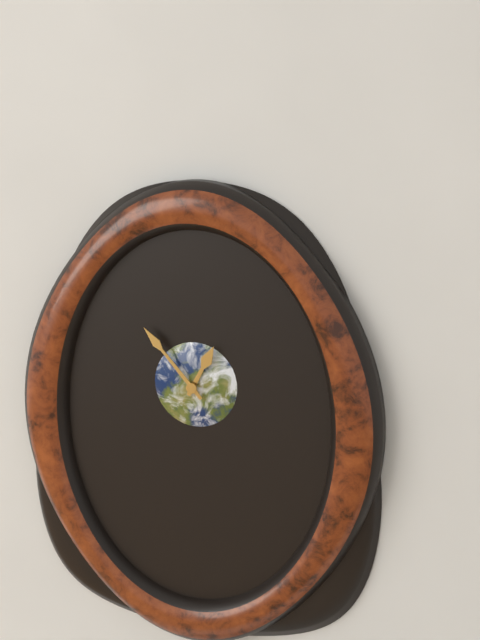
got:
12:53
